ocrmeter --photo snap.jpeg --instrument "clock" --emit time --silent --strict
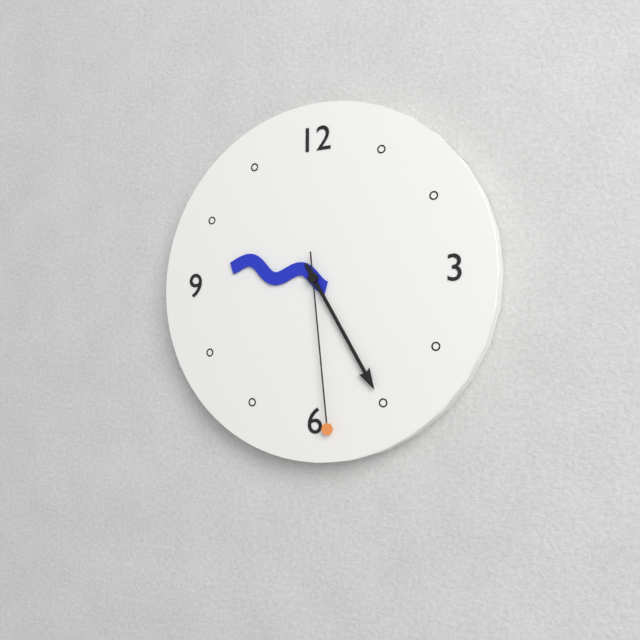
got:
9:25:29
